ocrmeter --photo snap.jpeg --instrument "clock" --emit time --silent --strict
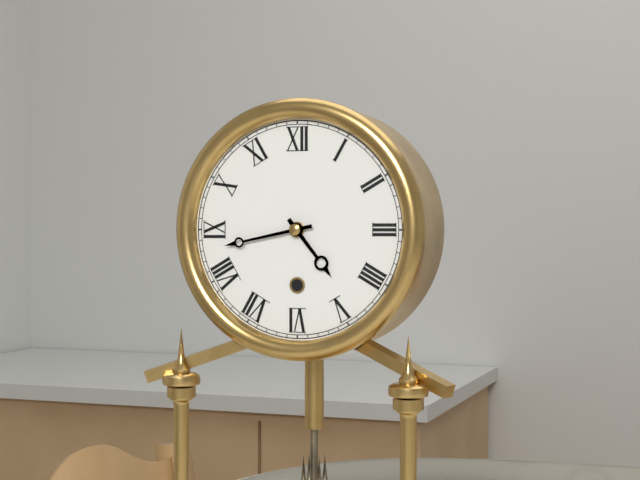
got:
4:43
